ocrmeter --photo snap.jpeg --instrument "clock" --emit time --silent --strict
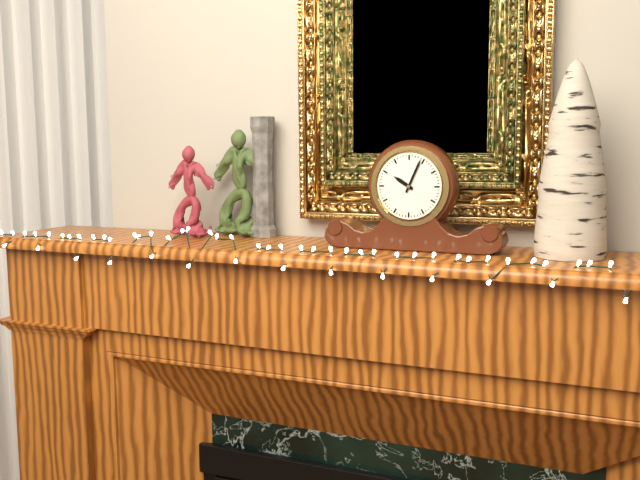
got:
10:04
